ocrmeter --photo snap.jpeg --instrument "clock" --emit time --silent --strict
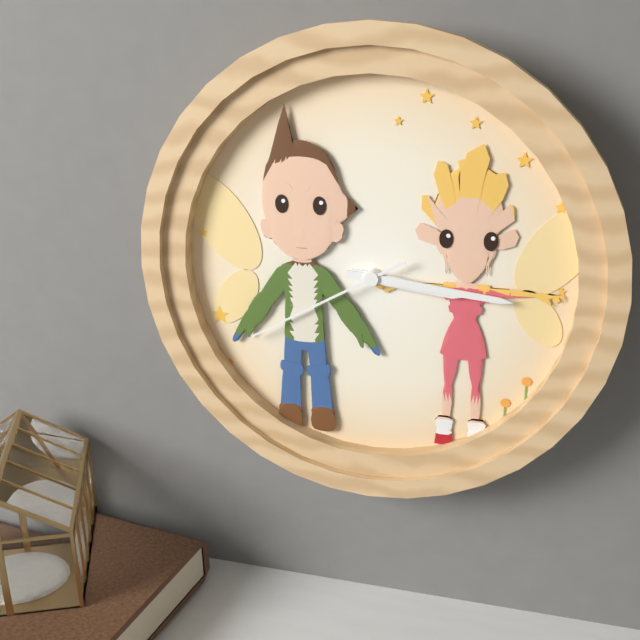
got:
3:16:40
